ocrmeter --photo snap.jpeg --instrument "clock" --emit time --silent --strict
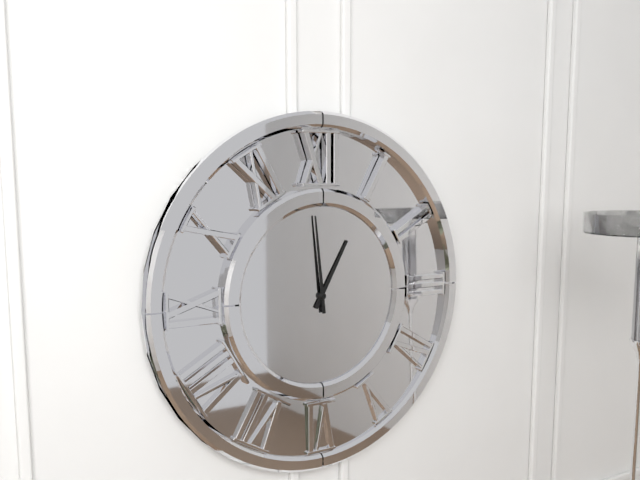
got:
12:59
